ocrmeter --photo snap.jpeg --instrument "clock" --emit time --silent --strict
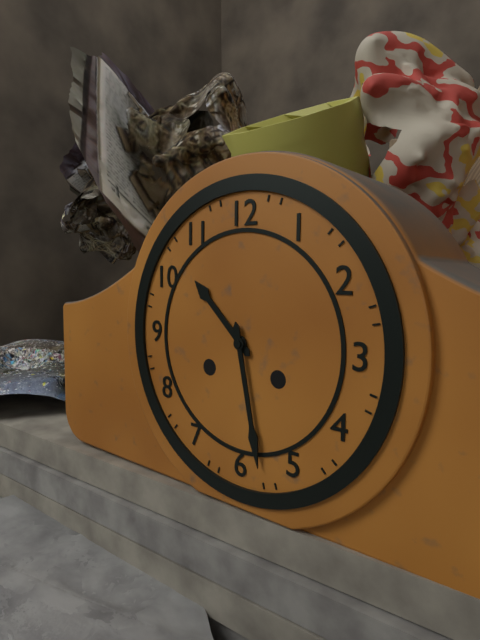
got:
10:28
